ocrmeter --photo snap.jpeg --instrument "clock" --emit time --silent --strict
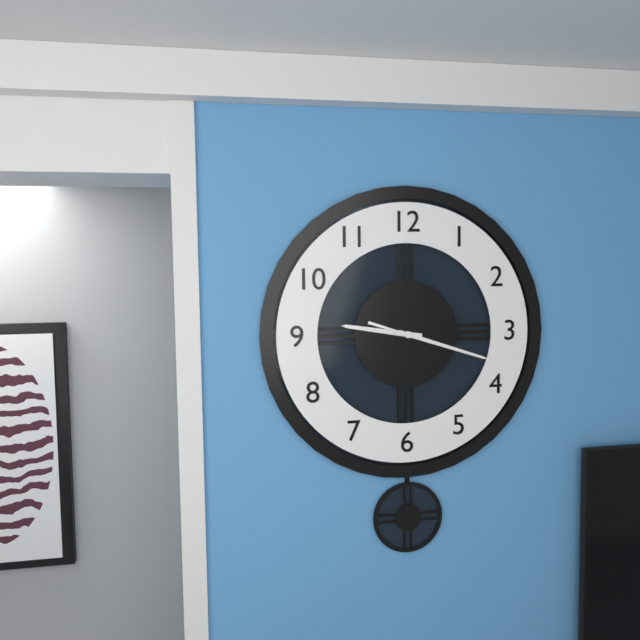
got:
9:18:18
